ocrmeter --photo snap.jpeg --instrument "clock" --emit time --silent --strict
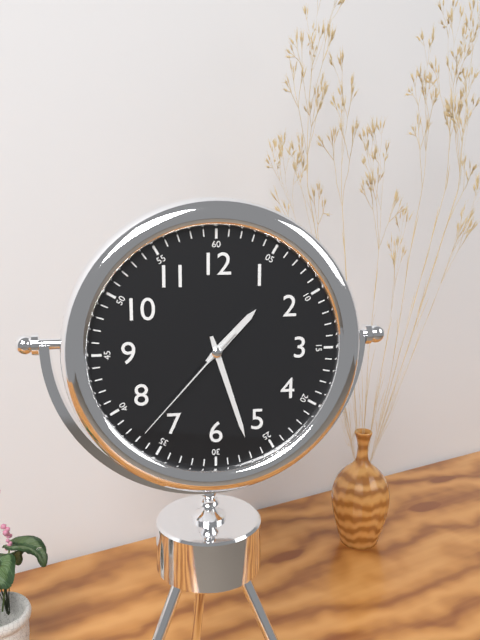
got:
1:27:37
